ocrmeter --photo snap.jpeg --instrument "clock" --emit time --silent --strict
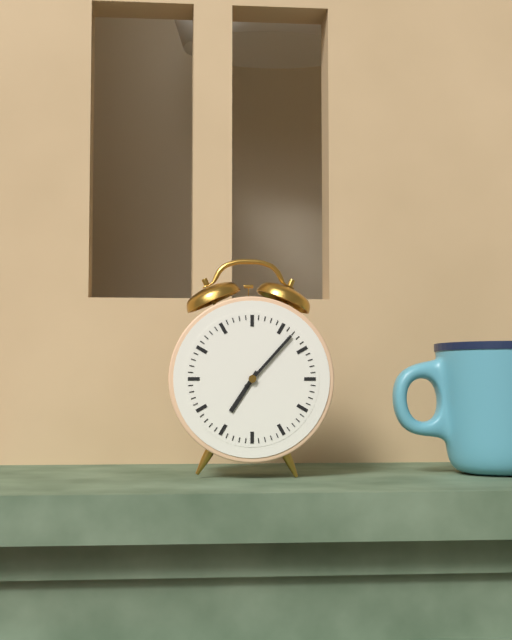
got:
7:07
